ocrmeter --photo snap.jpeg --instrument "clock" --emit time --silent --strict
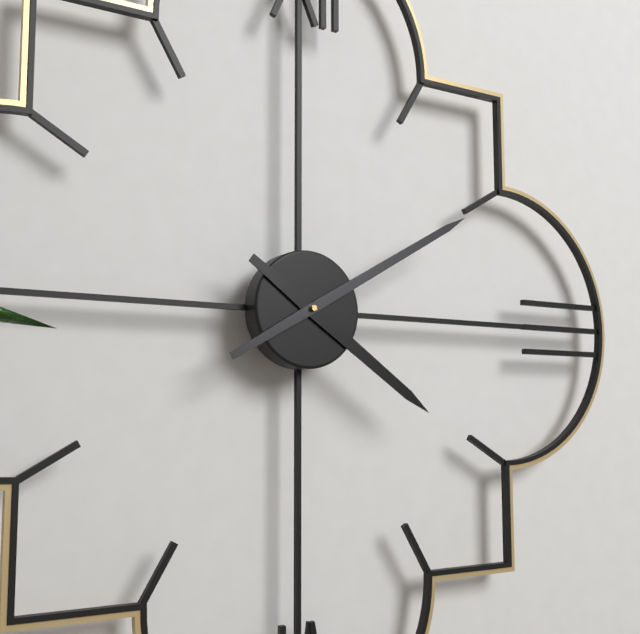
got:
4:10
